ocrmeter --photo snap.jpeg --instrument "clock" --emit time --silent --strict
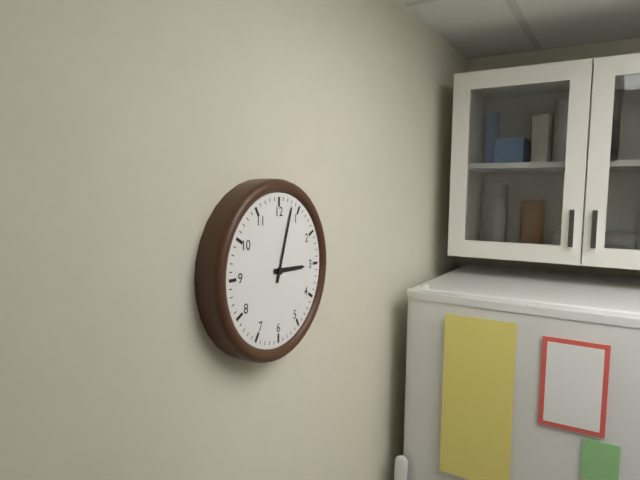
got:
3:03
